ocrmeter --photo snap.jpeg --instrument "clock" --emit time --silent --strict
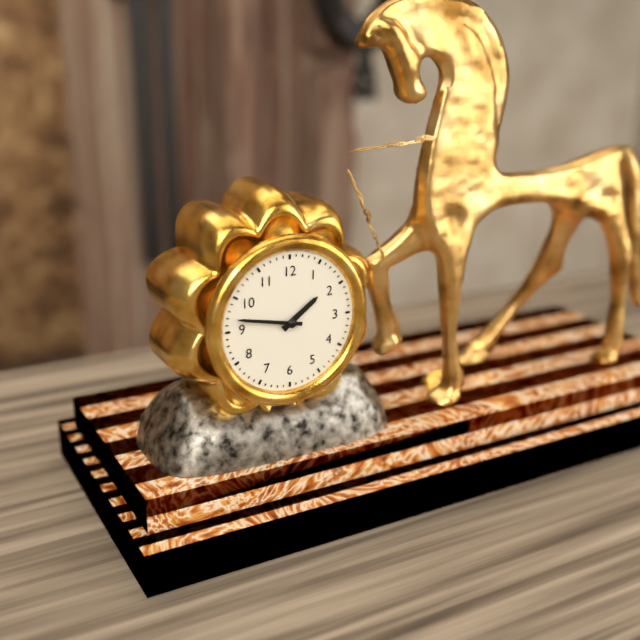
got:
1:47
